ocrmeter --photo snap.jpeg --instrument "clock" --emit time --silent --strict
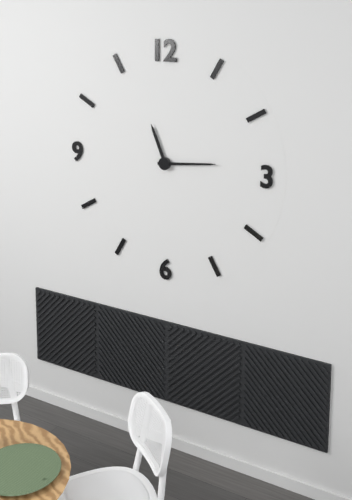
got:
11:14
